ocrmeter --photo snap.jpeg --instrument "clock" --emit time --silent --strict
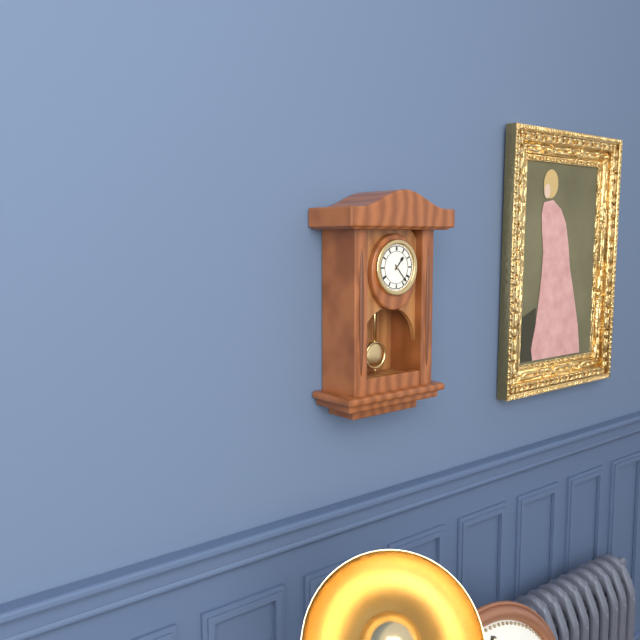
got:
1:23
